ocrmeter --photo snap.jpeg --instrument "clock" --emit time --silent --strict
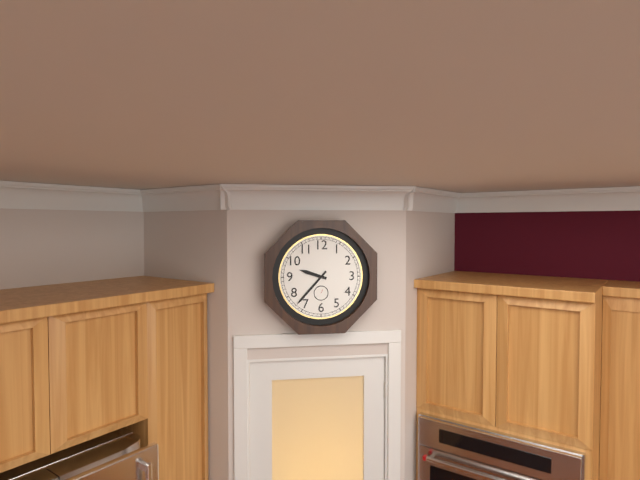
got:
9:37
